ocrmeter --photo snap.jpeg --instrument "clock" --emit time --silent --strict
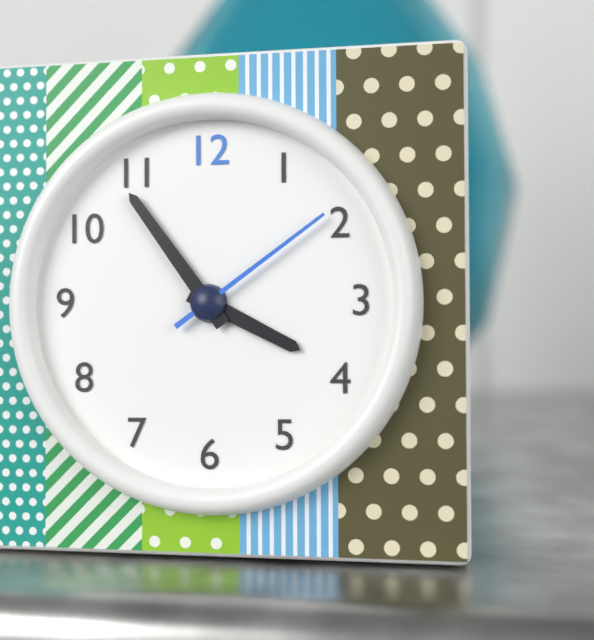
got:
3:54:09
